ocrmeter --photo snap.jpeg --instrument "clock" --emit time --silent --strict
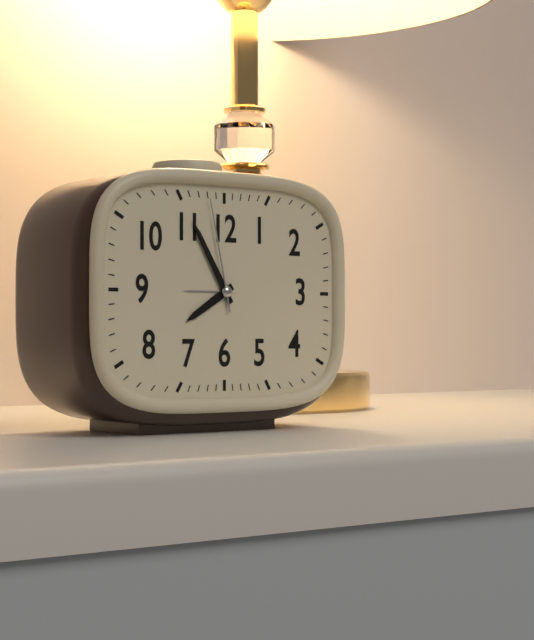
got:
7:55:58
